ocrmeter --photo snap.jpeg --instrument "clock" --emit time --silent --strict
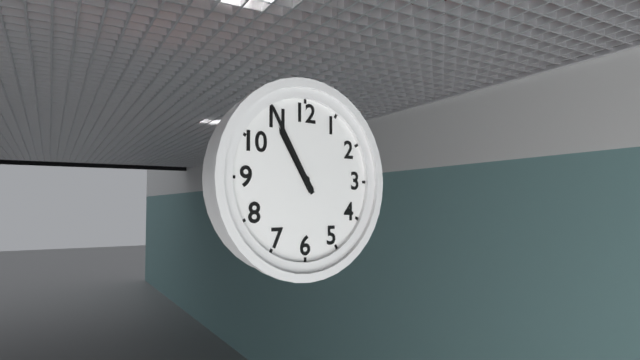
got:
10:55
